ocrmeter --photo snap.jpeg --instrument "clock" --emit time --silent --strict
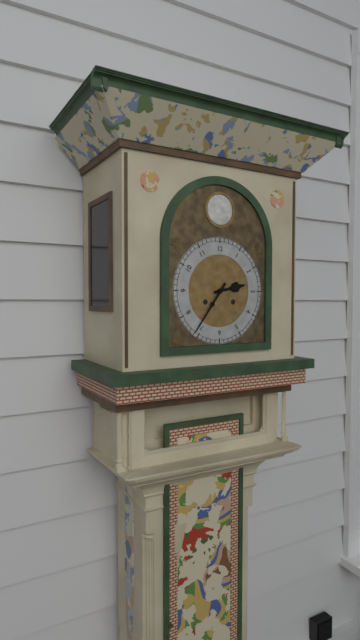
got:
2:36
